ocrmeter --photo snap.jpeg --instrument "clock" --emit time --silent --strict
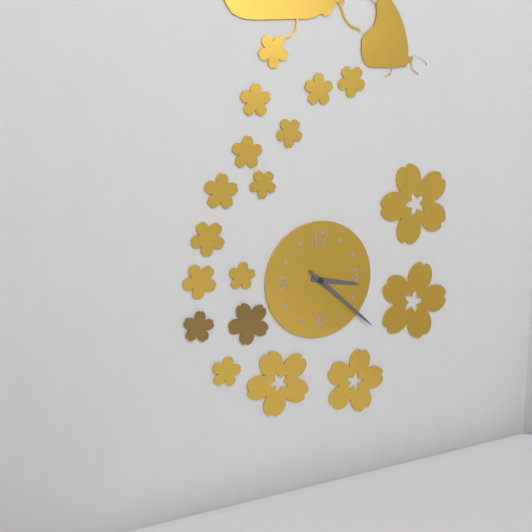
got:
3:22
